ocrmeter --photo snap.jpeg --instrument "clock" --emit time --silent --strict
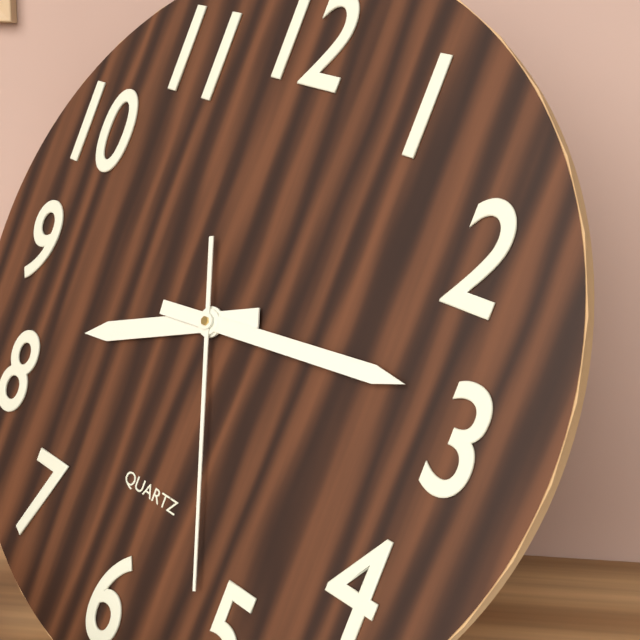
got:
8:14:26
